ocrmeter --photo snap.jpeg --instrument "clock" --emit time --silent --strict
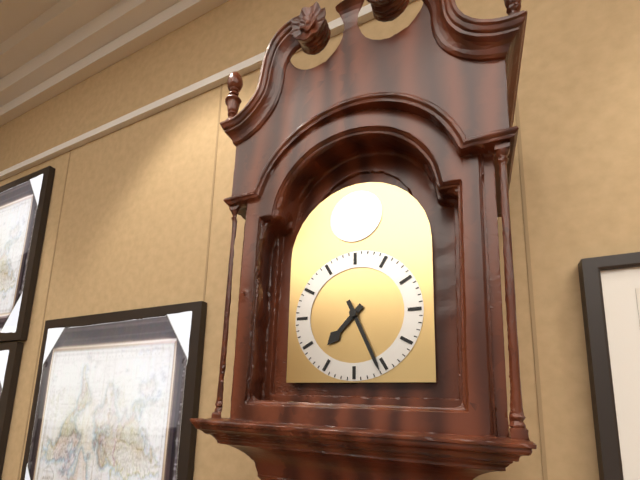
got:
7:26
